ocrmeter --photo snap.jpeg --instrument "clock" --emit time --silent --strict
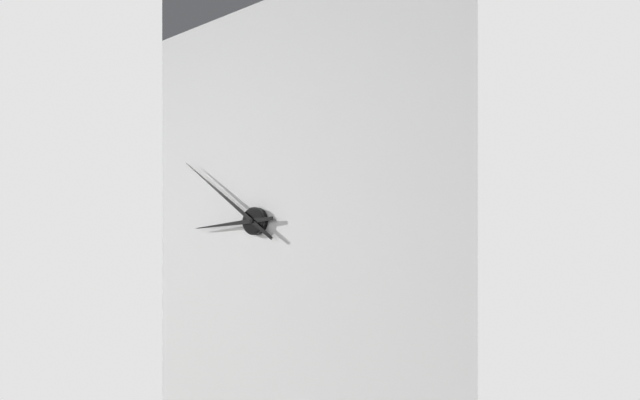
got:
8:51
